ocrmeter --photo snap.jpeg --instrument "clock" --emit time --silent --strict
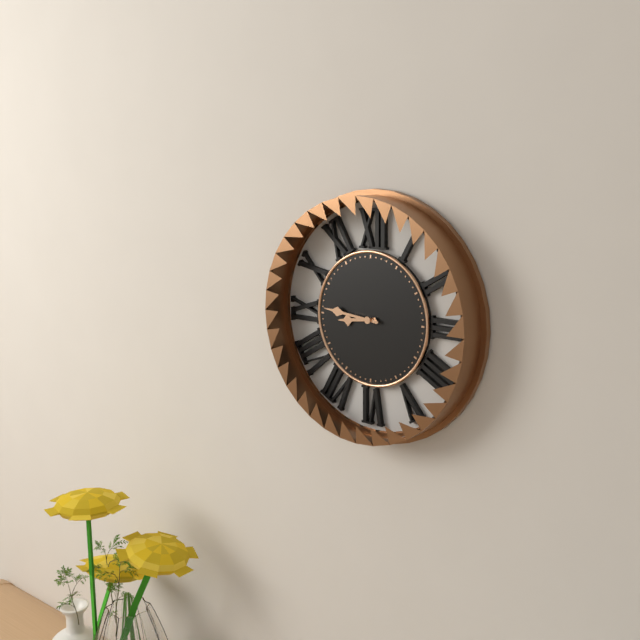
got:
8:46
